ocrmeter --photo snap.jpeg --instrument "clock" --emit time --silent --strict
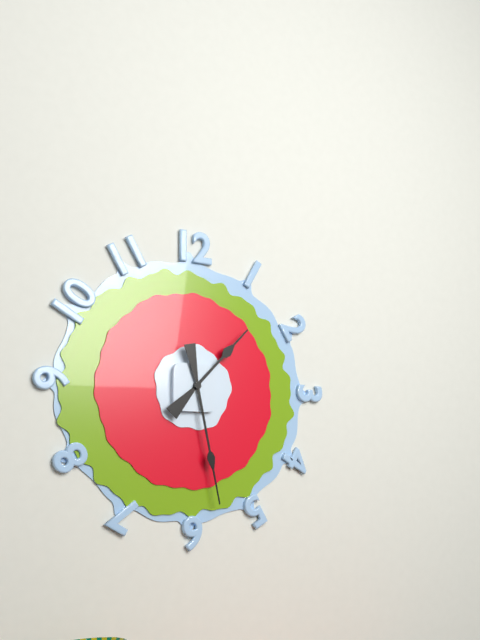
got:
1:28
